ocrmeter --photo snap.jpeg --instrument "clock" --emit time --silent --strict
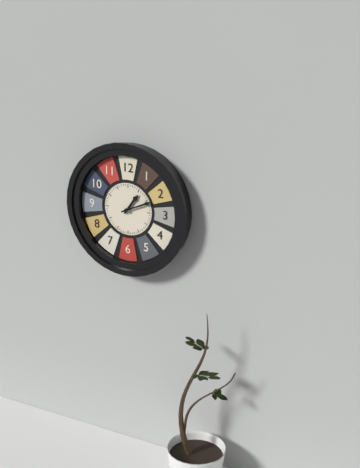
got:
1:11
